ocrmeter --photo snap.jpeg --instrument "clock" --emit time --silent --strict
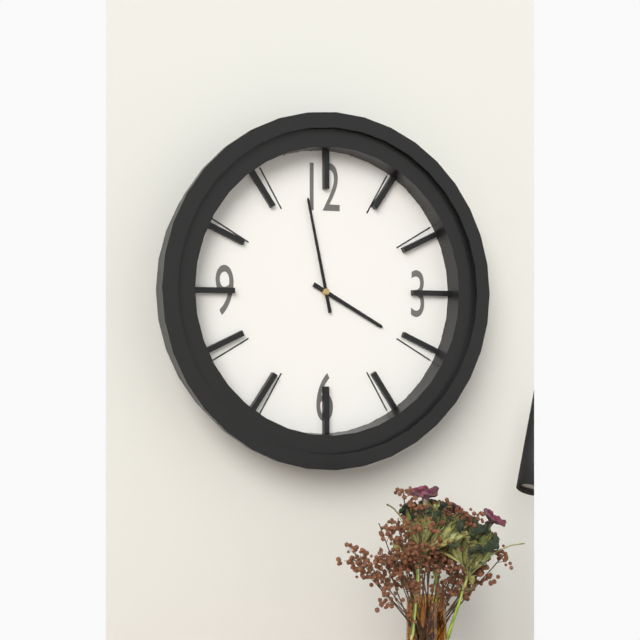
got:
3:58
